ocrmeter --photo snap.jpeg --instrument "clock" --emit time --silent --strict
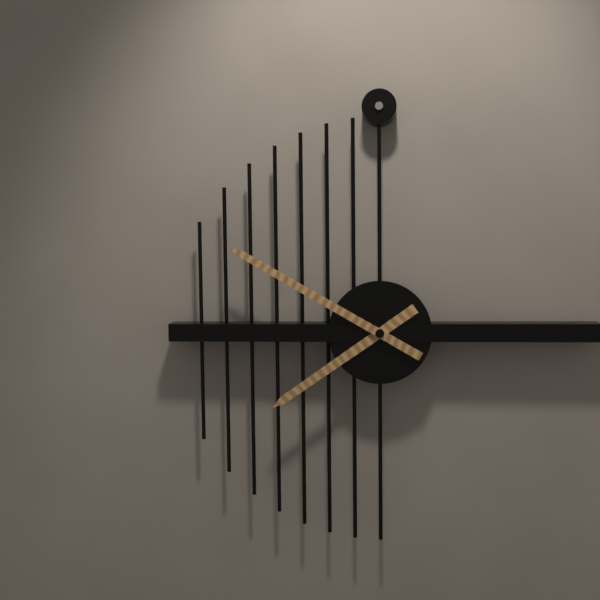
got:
7:50
